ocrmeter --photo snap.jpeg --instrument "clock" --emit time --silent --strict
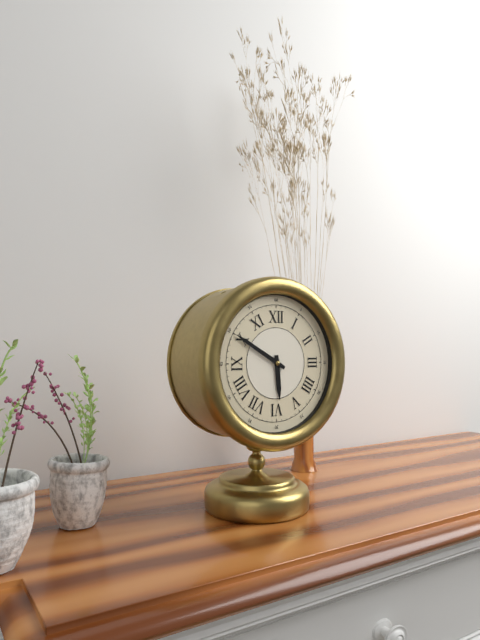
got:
5:50
